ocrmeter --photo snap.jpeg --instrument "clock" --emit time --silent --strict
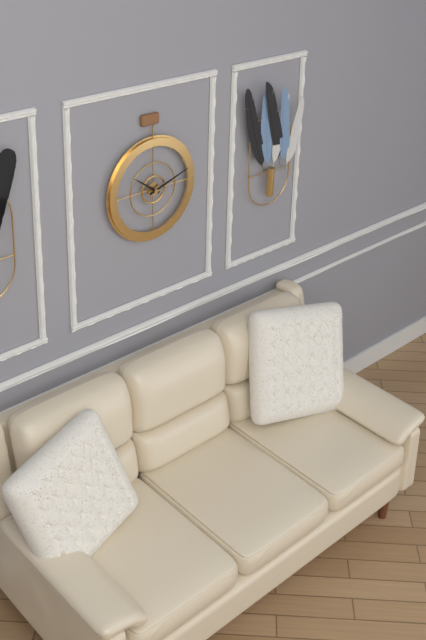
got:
10:12
